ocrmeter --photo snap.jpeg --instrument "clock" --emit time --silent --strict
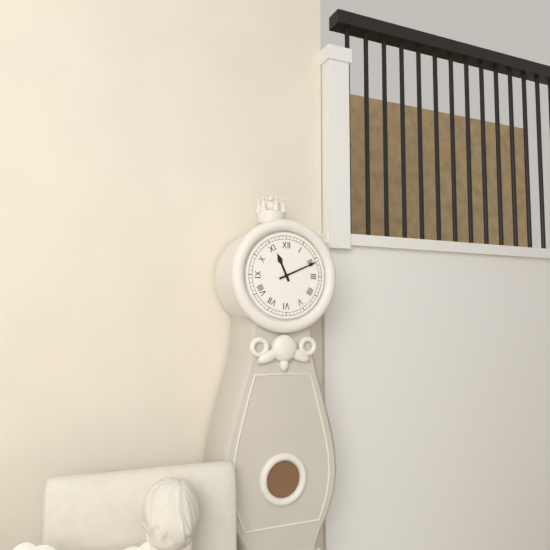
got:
11:11
